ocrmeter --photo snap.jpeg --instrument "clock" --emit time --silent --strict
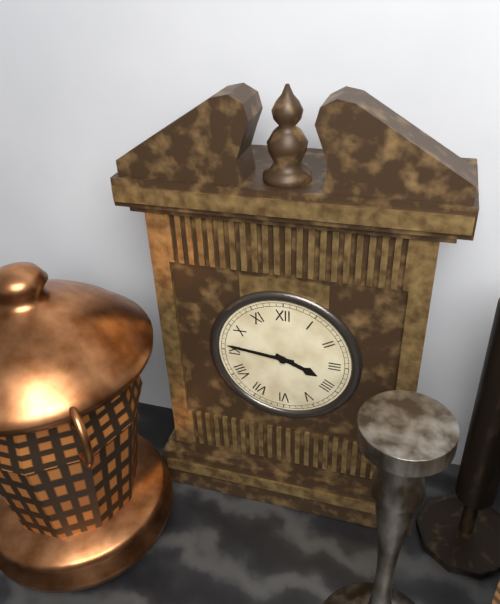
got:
3:46
